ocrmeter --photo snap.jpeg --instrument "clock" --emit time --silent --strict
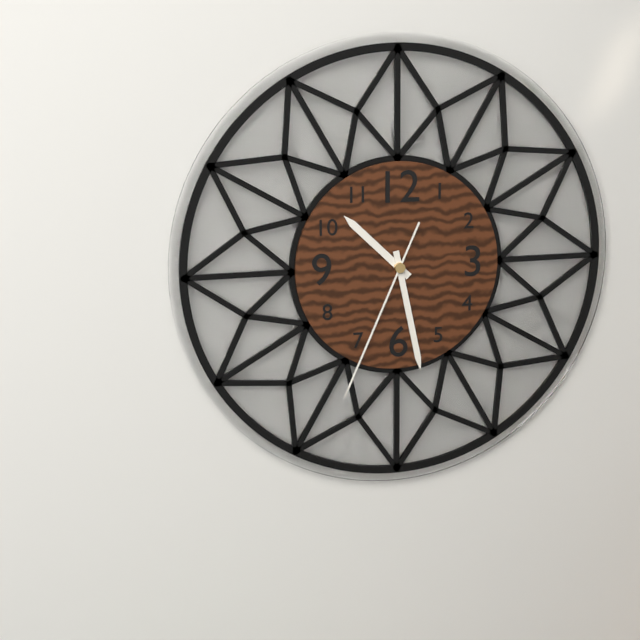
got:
10:28:34
